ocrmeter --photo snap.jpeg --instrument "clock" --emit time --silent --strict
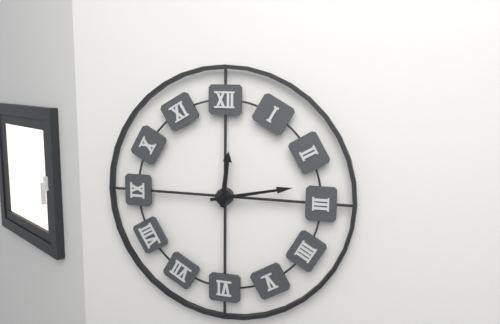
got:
12:13
